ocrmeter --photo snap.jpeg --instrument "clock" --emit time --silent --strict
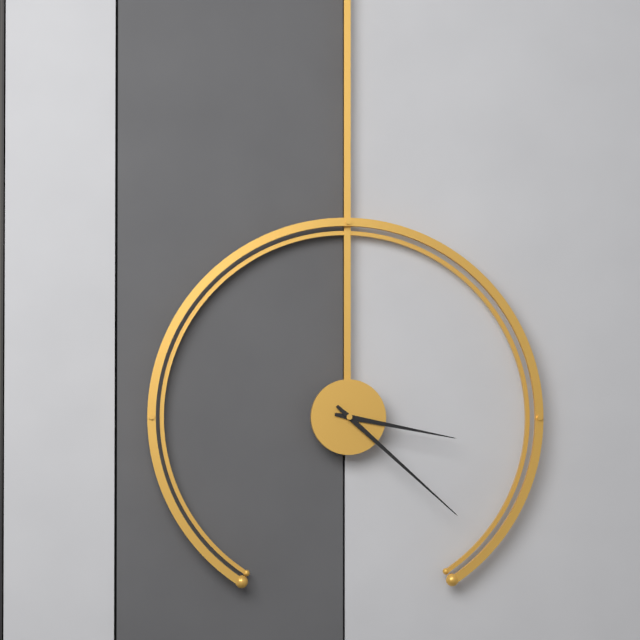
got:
3:22
